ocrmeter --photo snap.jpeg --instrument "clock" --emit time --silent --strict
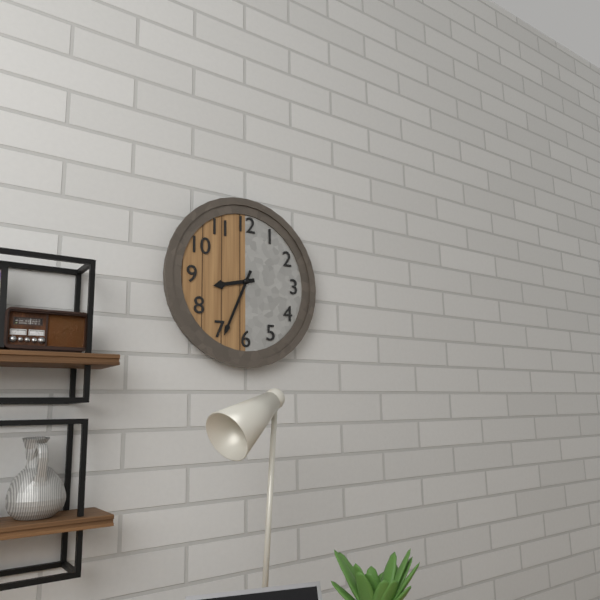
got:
8:34
